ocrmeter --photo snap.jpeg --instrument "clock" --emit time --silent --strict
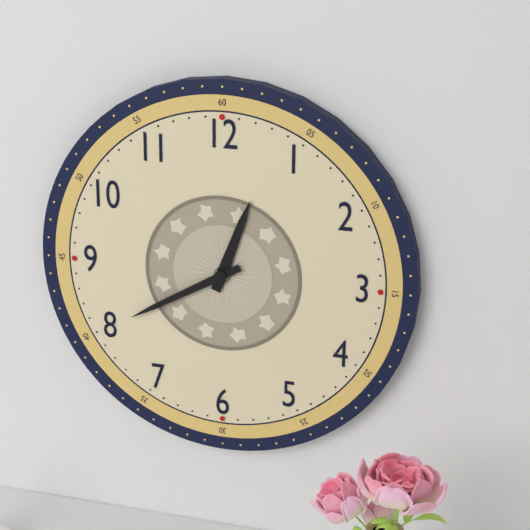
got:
12:40
